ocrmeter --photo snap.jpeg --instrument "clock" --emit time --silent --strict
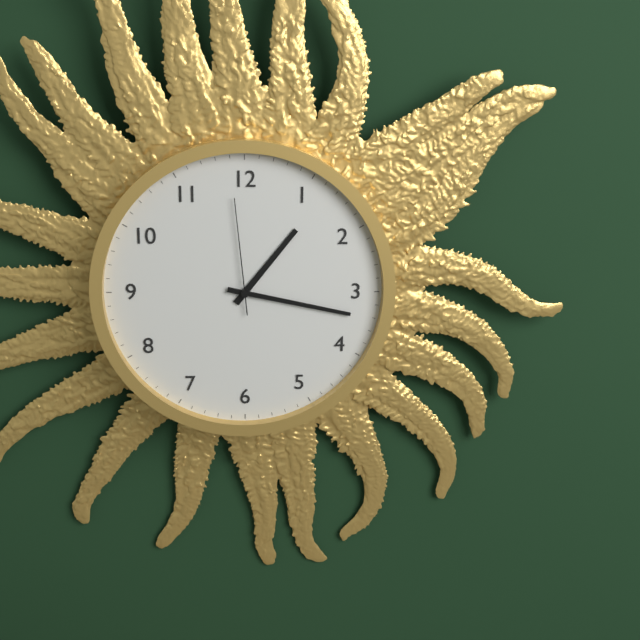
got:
1:17:59
